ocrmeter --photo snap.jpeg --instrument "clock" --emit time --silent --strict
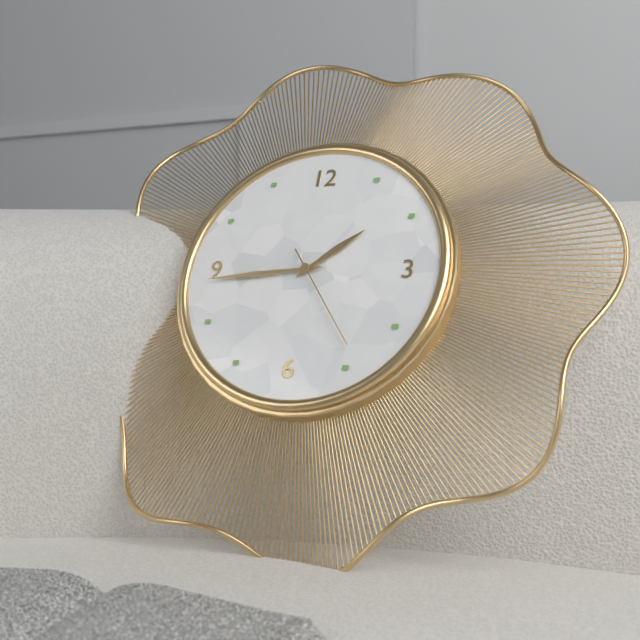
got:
1:44:24
